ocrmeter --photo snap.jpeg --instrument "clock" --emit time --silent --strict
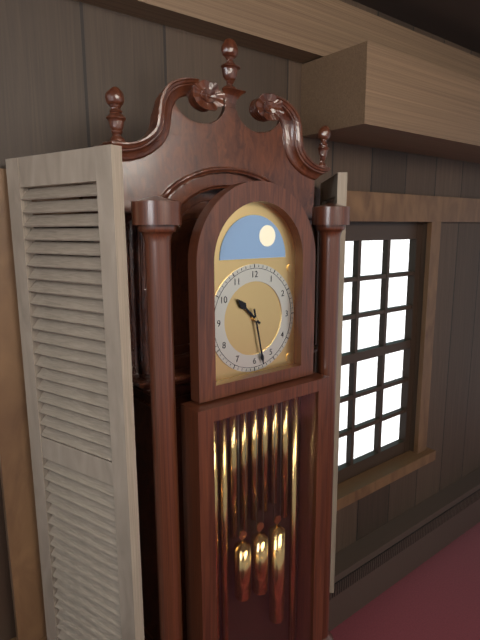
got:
10:28
